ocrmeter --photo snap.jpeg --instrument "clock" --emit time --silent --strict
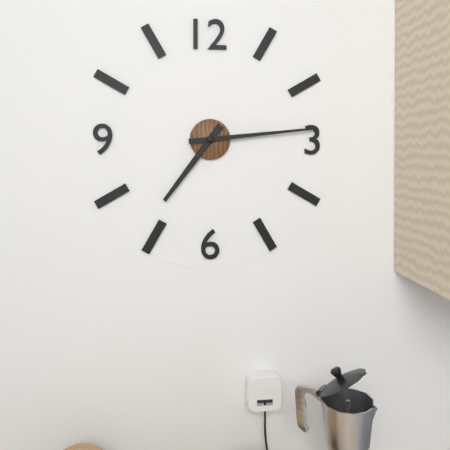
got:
7:14
